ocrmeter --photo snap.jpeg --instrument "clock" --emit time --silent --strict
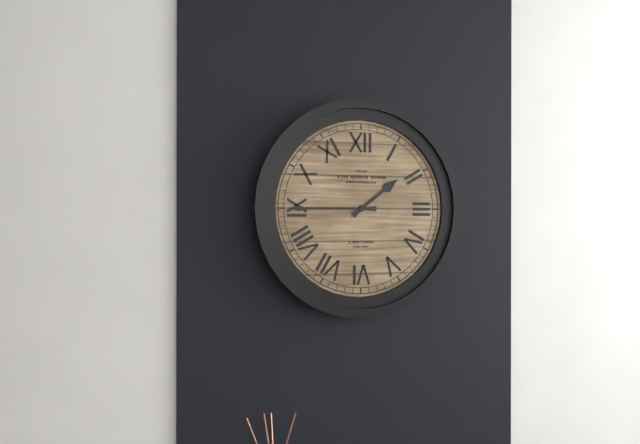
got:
1:45
